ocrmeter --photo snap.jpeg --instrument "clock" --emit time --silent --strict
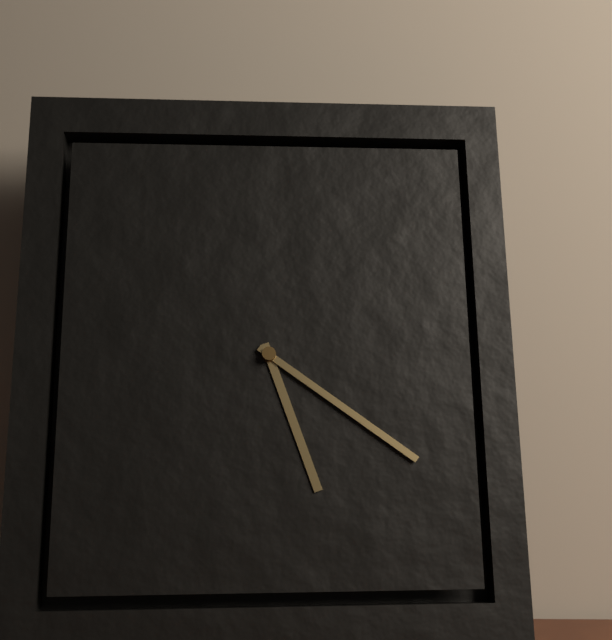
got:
5:21
